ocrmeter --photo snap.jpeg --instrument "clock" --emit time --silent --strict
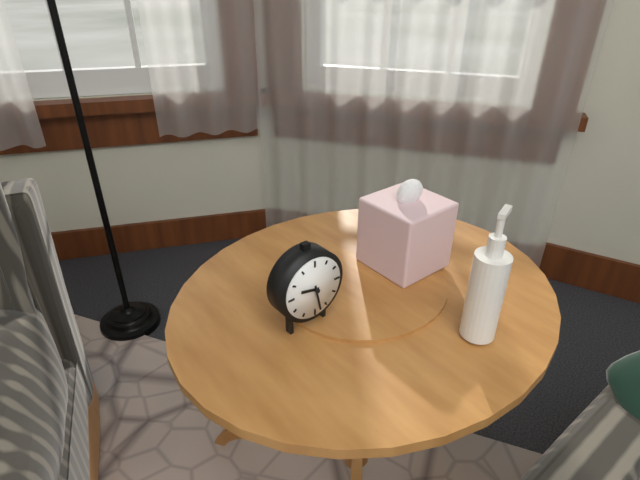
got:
9:28
